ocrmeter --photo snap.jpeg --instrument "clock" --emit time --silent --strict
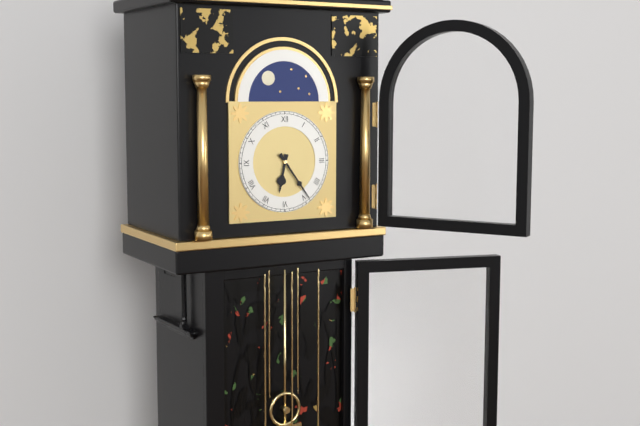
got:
6:24
